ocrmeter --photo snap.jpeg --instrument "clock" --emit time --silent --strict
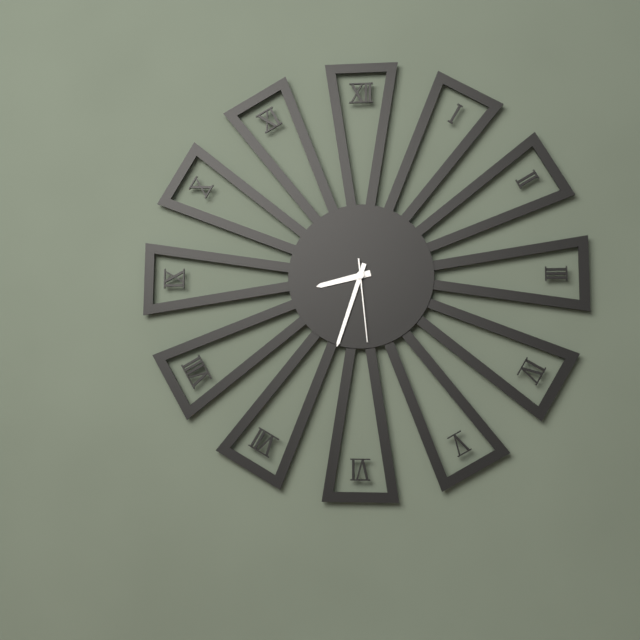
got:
8:33:29
